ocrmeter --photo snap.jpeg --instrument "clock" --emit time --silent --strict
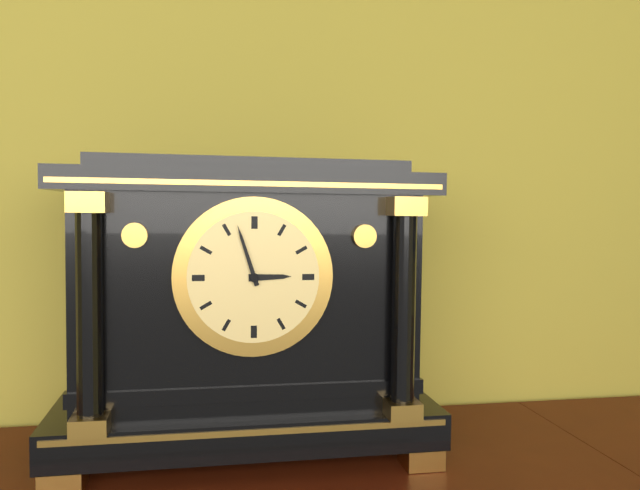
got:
2:57
